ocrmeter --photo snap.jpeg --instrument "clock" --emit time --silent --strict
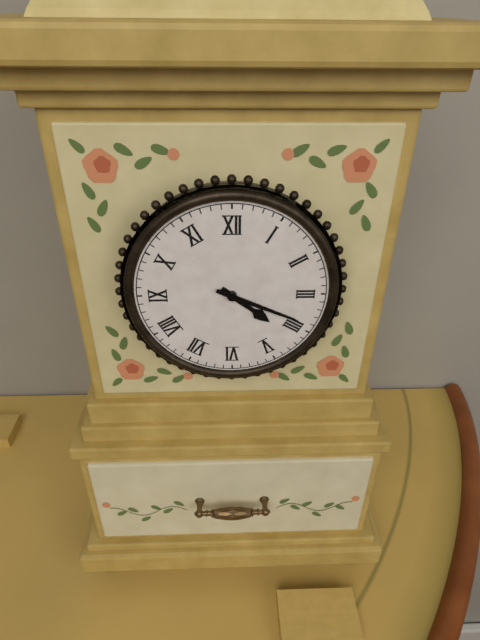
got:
4:19
